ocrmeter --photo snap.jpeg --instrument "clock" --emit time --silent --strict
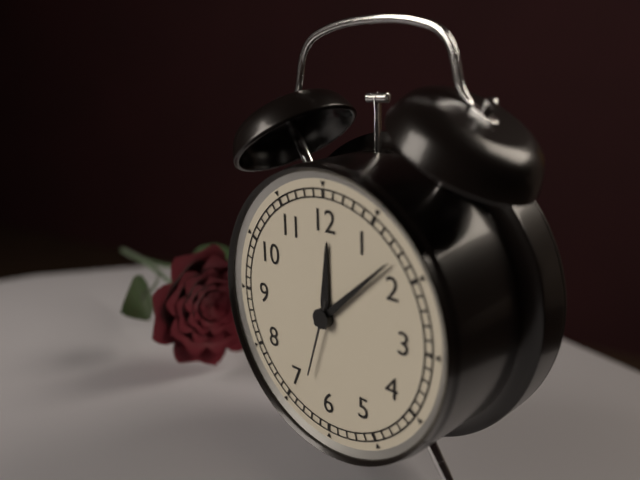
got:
12:08:33
